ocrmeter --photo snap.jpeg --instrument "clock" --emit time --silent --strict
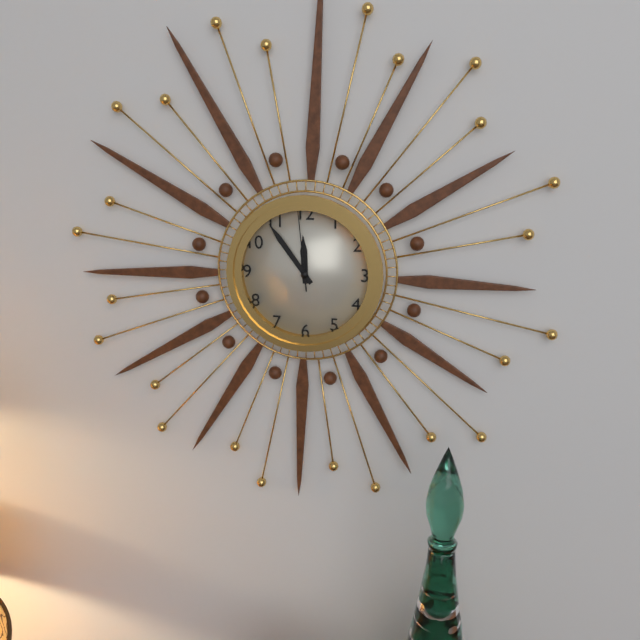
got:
11:54:59
